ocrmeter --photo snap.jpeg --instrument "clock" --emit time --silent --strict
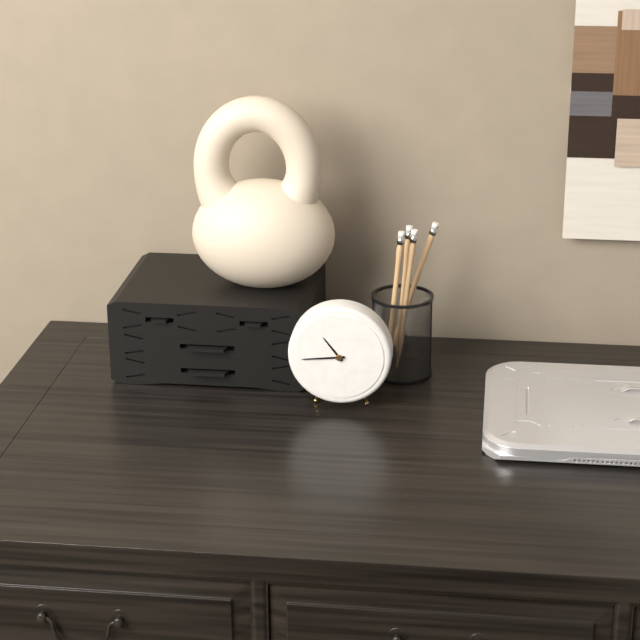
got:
10:44
